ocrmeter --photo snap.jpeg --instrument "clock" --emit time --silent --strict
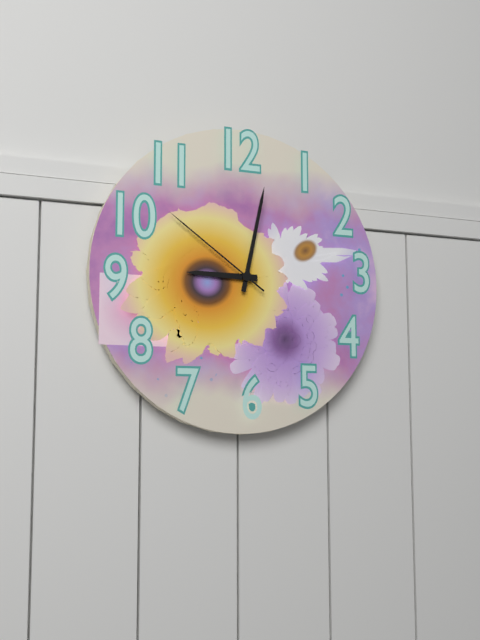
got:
9:02:51
